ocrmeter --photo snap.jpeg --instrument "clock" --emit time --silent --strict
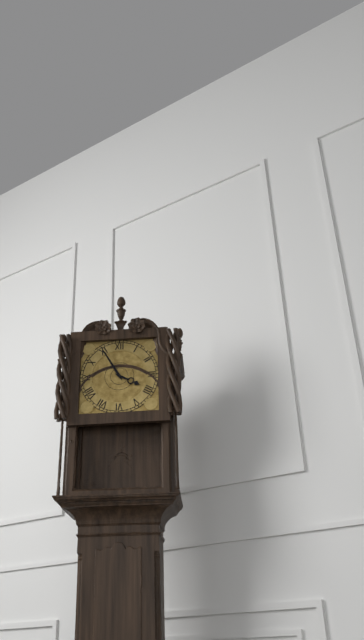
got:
3:55
